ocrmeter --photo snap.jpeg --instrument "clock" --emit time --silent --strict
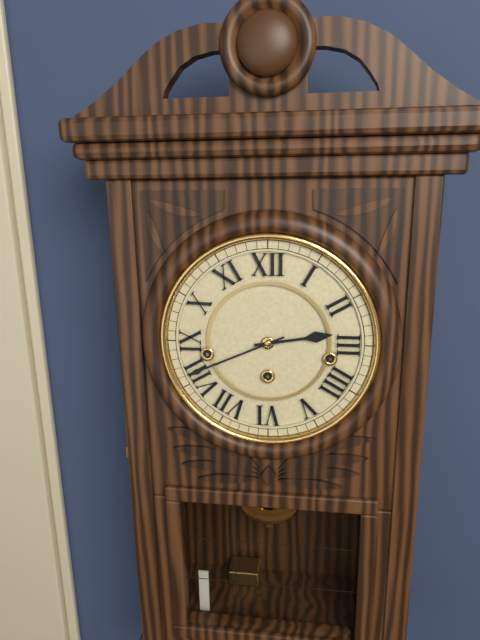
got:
2:41
